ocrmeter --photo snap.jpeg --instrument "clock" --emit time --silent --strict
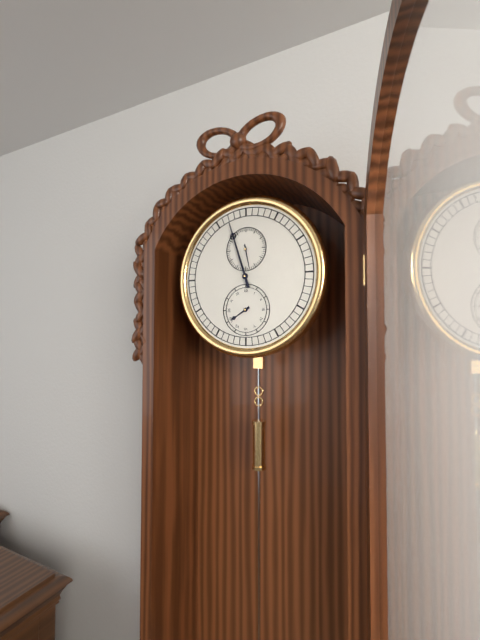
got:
7:57
